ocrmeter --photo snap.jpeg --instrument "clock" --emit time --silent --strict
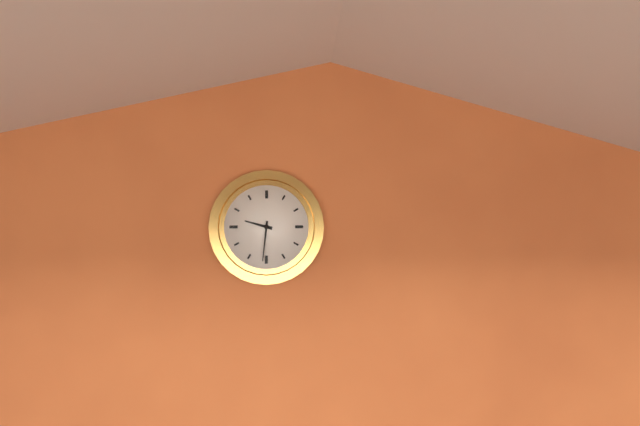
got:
9:31
